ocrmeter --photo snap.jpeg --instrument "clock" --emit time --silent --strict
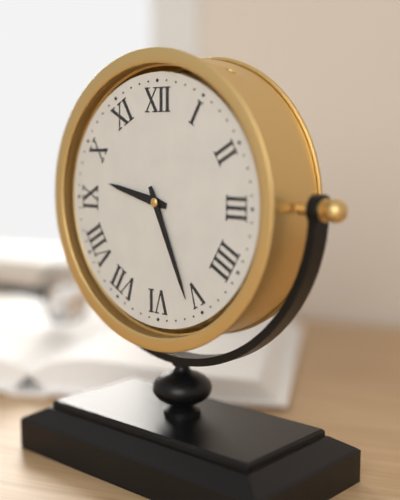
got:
9:26
